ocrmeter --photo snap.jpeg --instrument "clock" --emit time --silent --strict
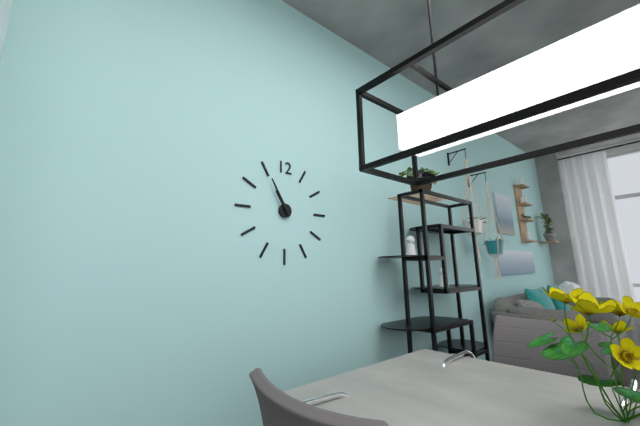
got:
10:55
